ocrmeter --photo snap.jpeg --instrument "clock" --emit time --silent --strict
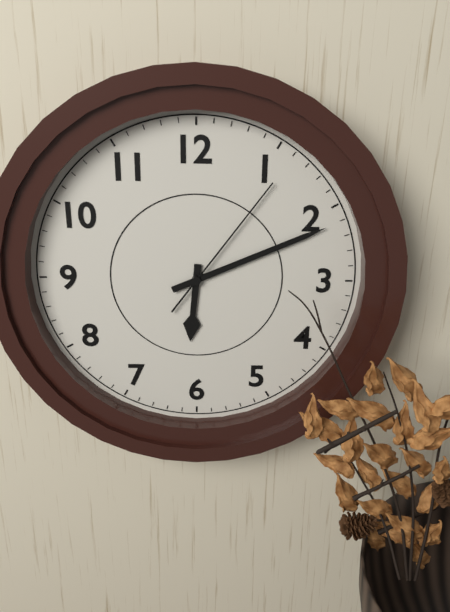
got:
6:11:06
